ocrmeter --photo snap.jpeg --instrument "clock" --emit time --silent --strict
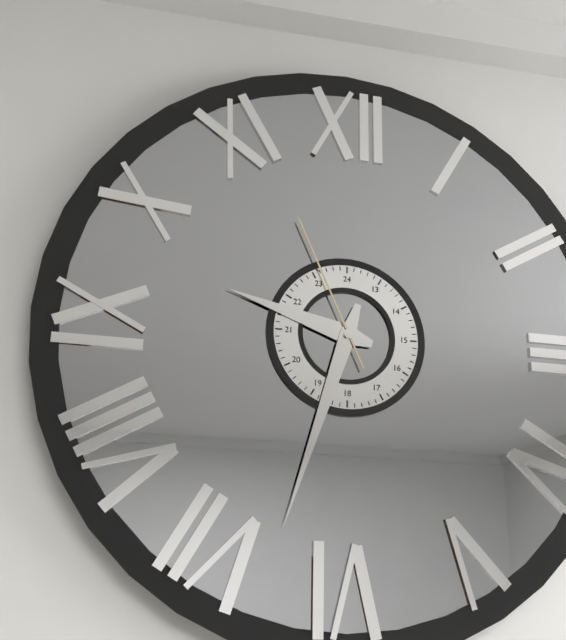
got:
9:33:56
